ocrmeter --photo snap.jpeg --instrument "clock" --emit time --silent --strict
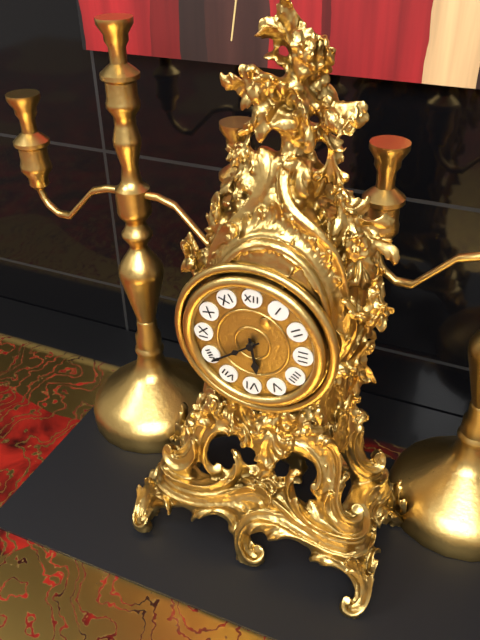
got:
5:39
